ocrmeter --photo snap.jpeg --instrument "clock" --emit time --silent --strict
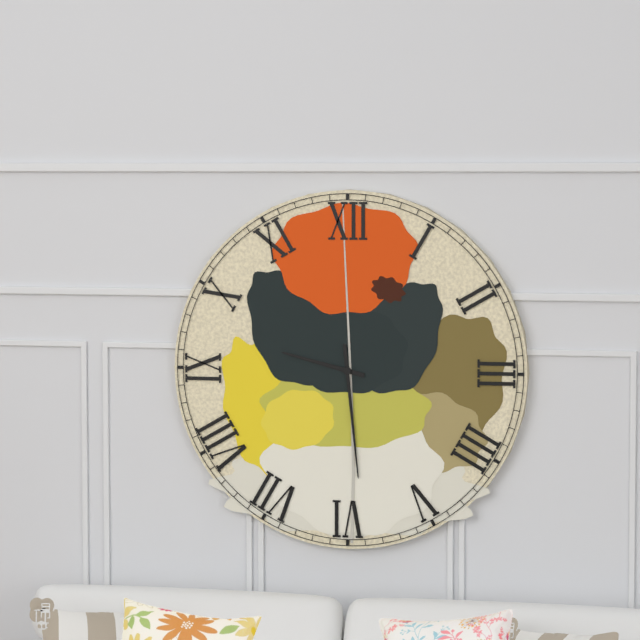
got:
9:29
